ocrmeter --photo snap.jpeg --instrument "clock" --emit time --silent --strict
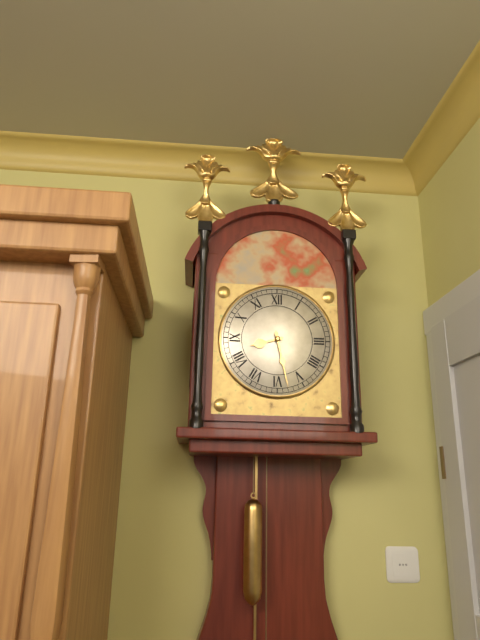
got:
8:28
